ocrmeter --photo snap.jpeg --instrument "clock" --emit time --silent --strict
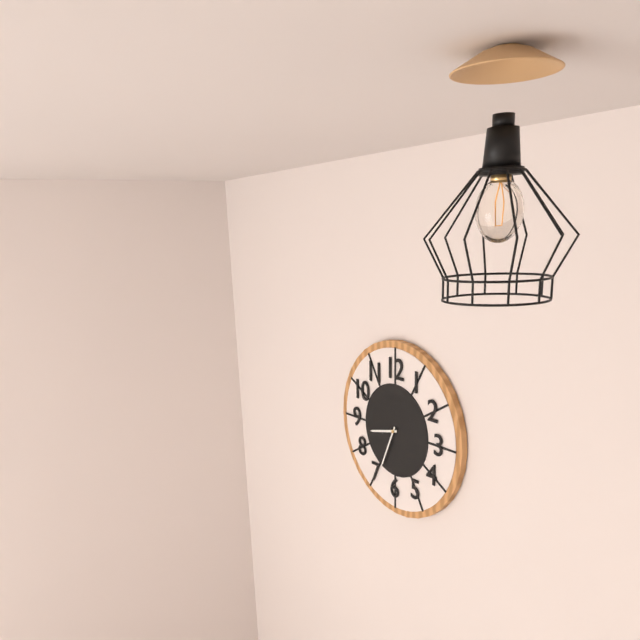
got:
8:34
